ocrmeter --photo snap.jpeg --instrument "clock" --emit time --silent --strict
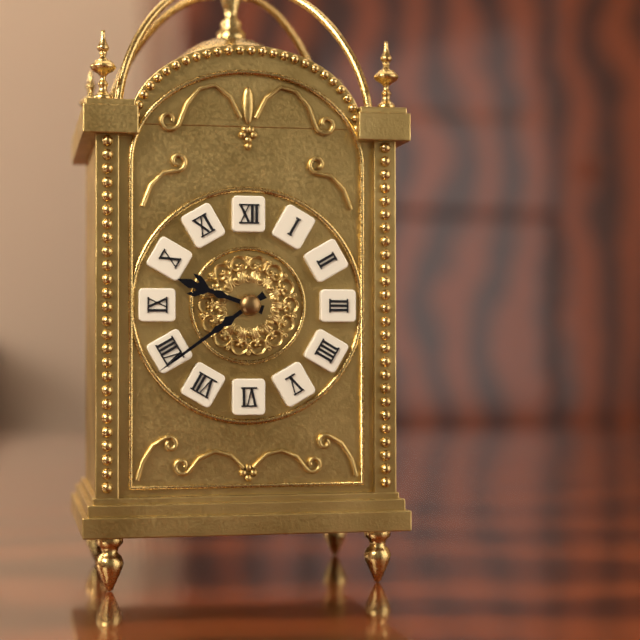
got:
9:39
